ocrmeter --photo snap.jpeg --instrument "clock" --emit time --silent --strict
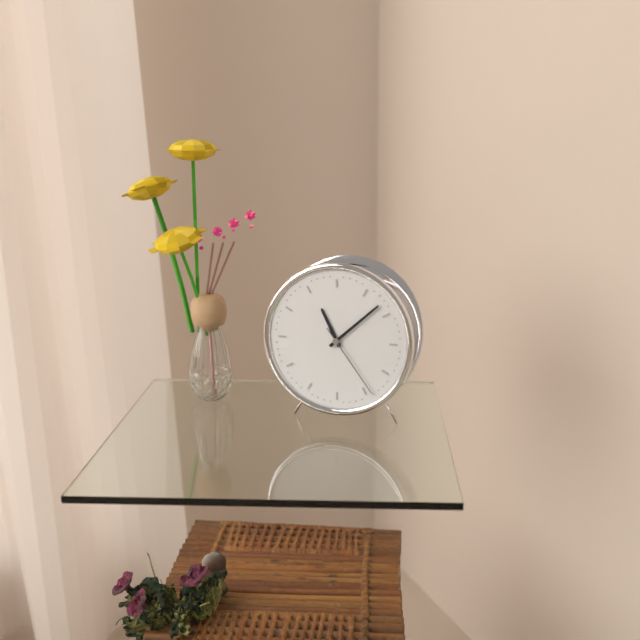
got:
11:08:24
